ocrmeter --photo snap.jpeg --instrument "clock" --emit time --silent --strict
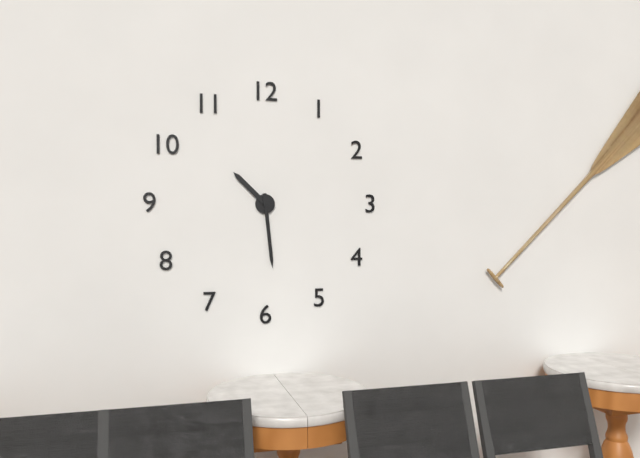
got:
10:29
